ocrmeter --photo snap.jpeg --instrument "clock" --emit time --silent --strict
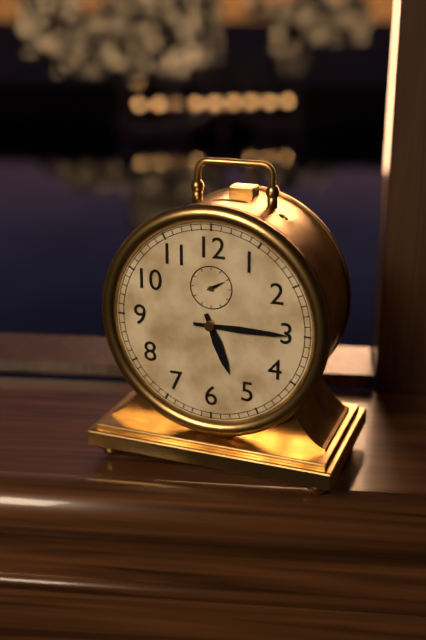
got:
5:15
